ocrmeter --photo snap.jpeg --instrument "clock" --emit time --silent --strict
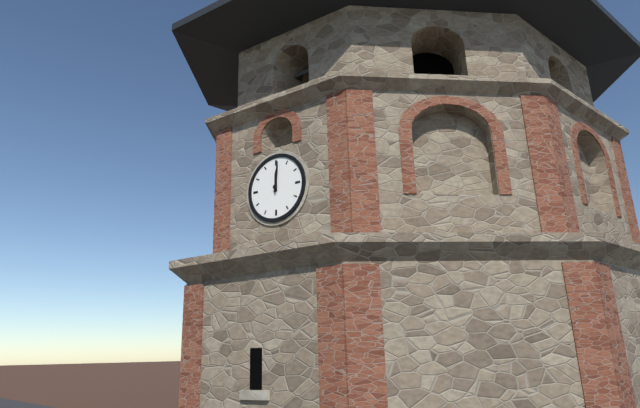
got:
12:01
